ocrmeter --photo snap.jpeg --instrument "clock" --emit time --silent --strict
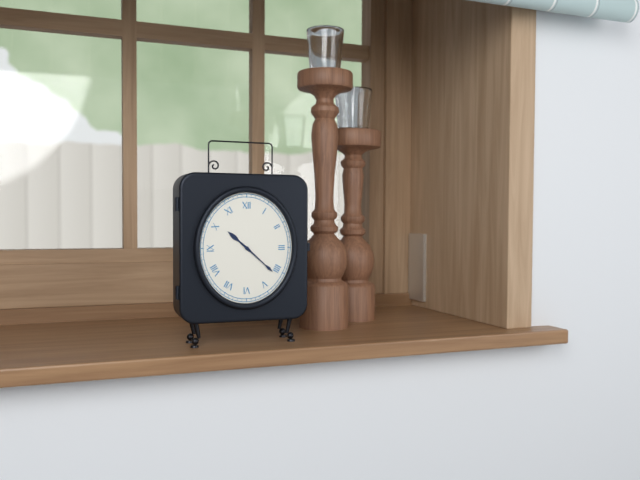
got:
10:22
